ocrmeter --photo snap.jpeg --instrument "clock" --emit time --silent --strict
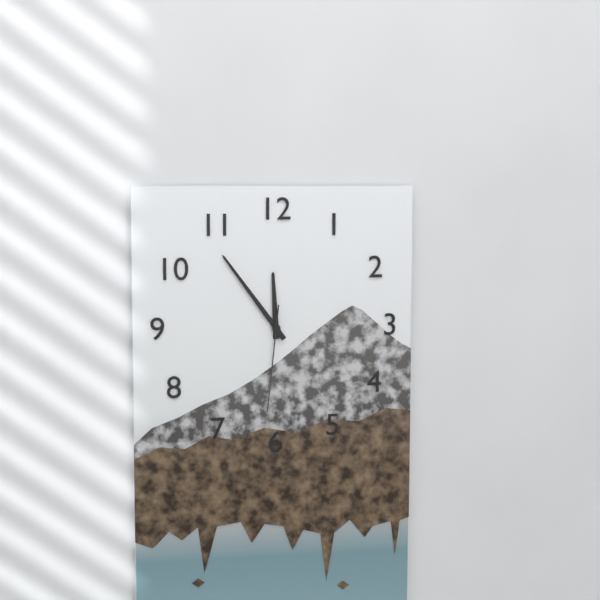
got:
11:54:31
